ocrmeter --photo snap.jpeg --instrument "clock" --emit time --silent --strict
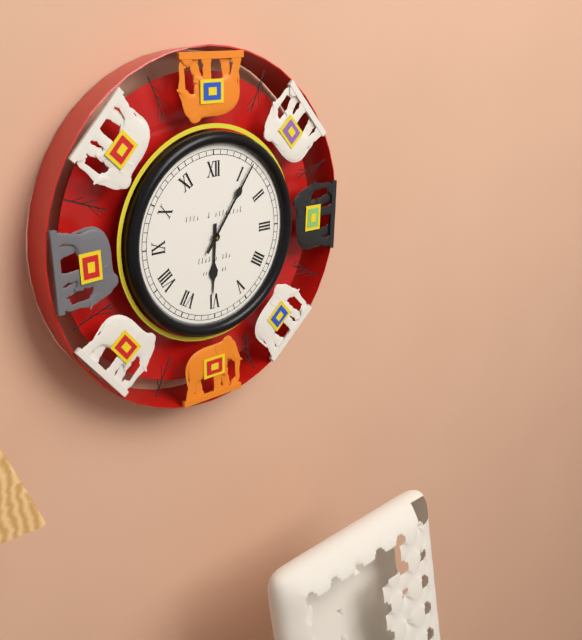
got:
6:06
